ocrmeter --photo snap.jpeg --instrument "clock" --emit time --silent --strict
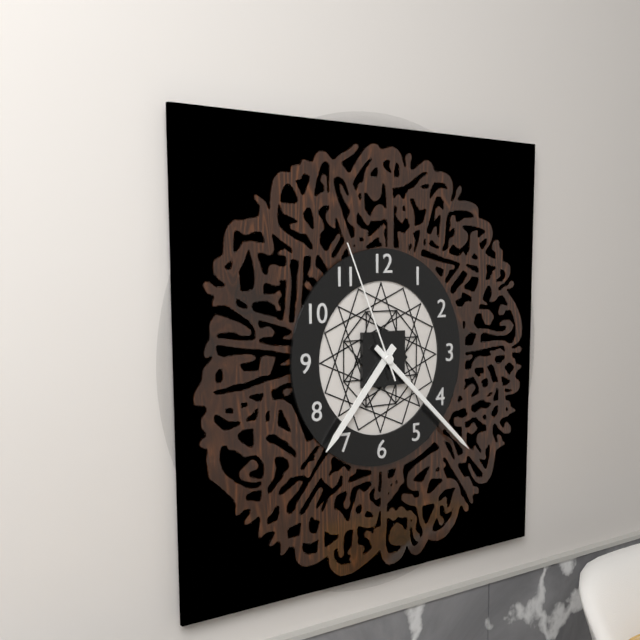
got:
7:22:56
